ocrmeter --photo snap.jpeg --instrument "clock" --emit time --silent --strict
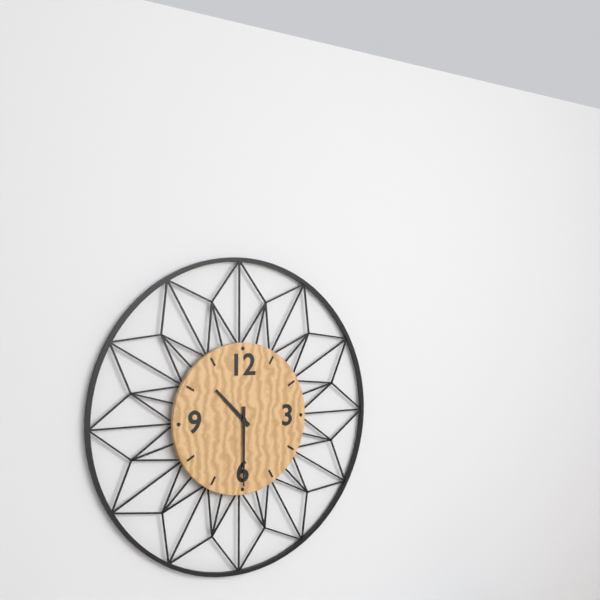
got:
10:30
